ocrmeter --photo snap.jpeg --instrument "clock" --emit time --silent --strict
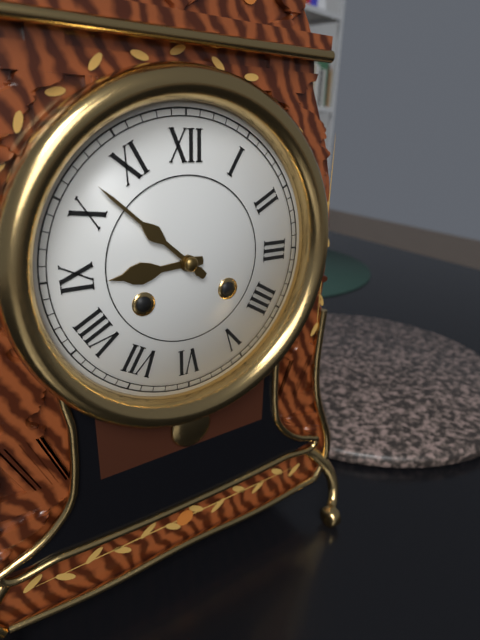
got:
8:52
